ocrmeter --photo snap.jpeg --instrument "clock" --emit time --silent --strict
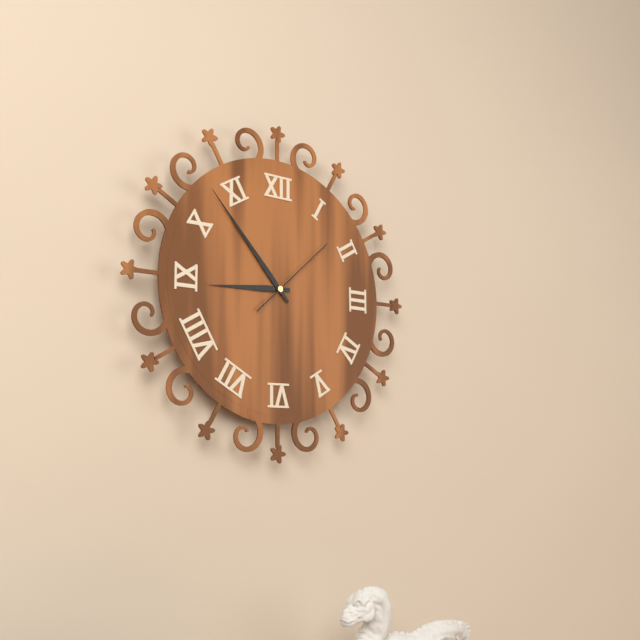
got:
8:53:08
